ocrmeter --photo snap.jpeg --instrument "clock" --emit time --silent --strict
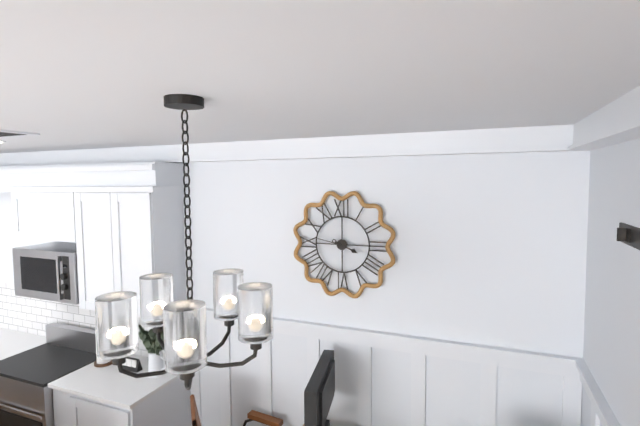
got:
3:47
